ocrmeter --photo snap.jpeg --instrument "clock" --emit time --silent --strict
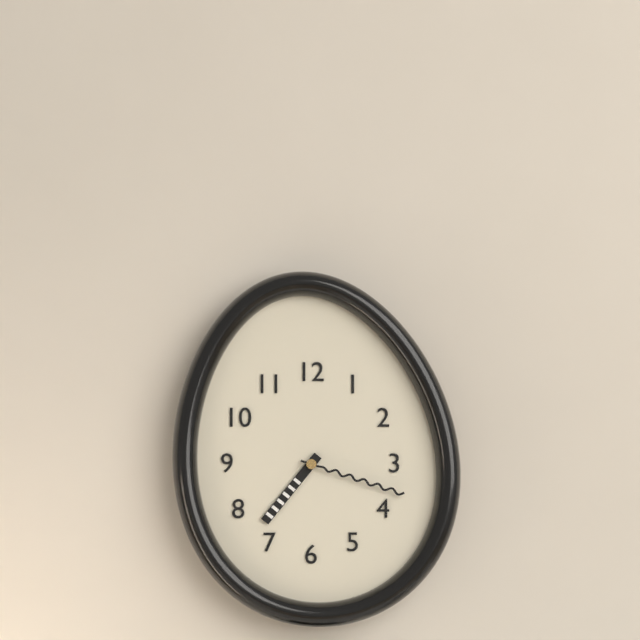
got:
7:18
